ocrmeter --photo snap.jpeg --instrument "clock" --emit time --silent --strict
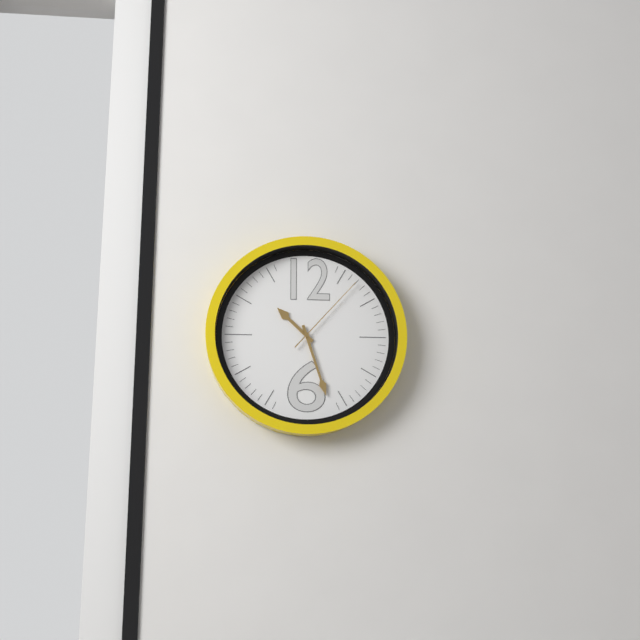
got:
10:27:07
